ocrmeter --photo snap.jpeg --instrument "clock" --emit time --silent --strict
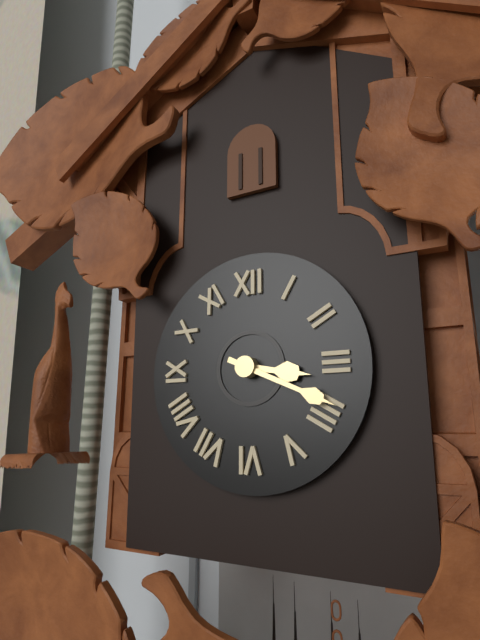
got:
3:19
